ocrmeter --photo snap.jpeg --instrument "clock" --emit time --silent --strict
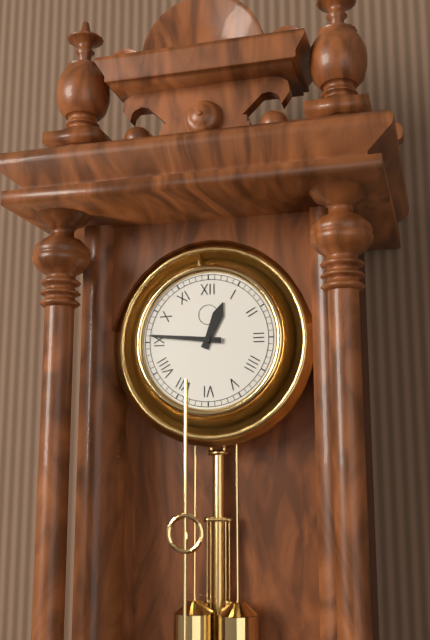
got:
12:46
